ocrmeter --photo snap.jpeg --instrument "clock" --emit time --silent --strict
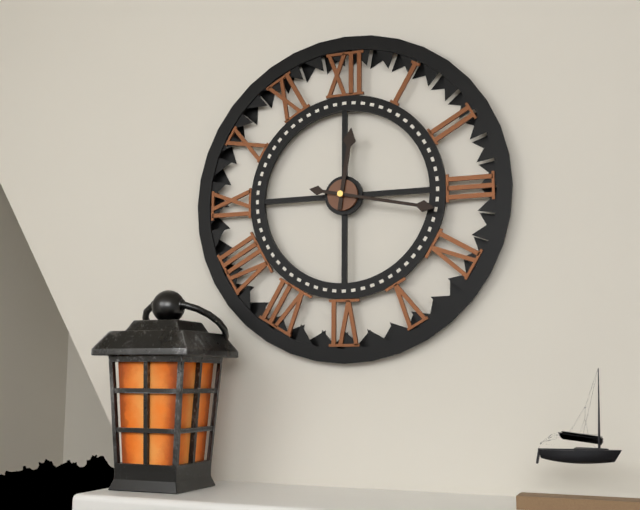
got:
12:17
